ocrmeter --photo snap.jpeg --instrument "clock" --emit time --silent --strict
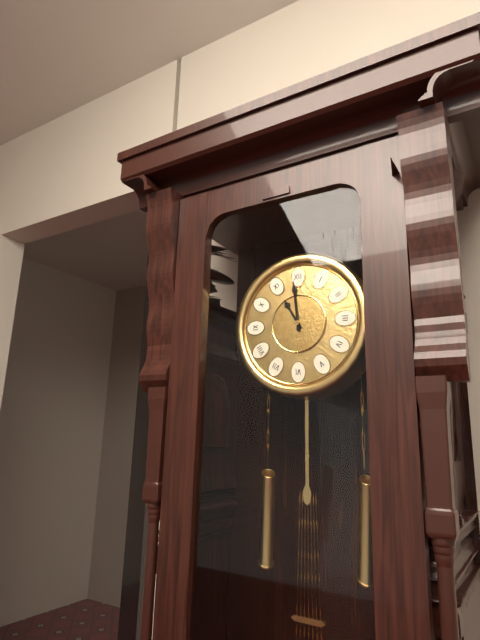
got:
10:59
